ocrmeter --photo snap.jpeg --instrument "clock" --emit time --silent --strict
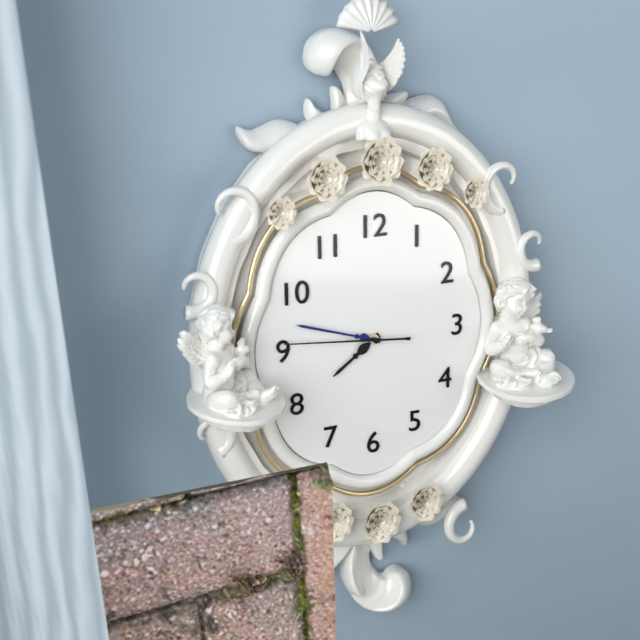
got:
7:48:46
